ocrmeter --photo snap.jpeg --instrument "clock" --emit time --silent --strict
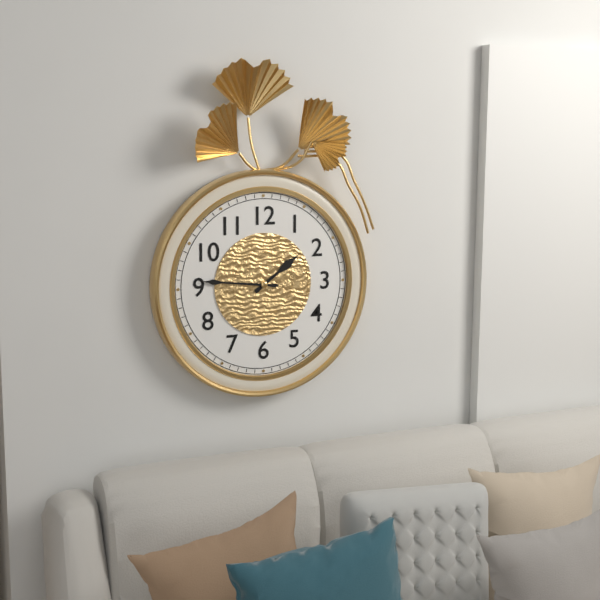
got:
1:46
